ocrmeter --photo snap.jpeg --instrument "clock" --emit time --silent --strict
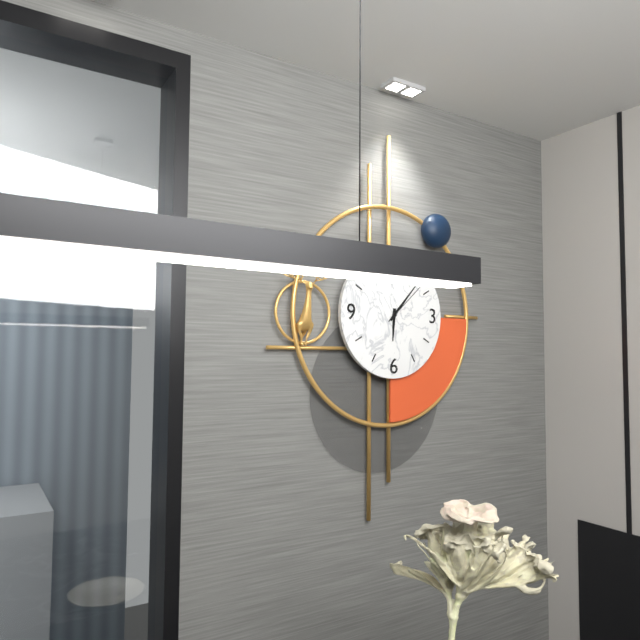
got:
6:07:08
